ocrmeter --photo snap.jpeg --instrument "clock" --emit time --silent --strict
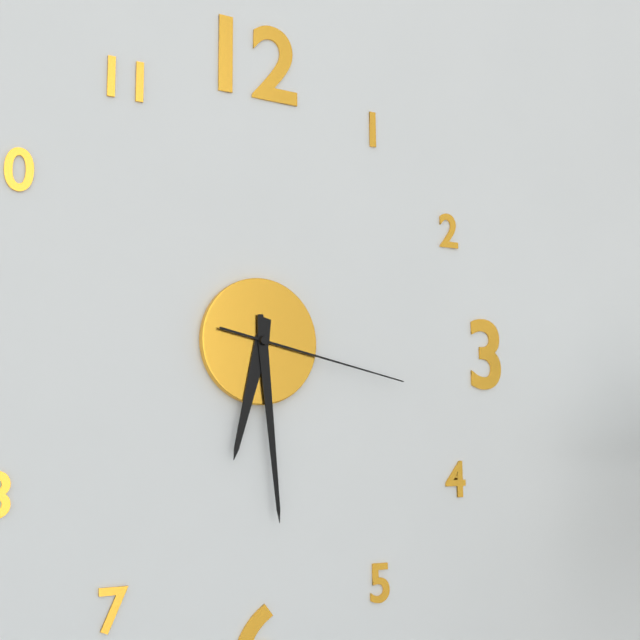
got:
6:29:17
